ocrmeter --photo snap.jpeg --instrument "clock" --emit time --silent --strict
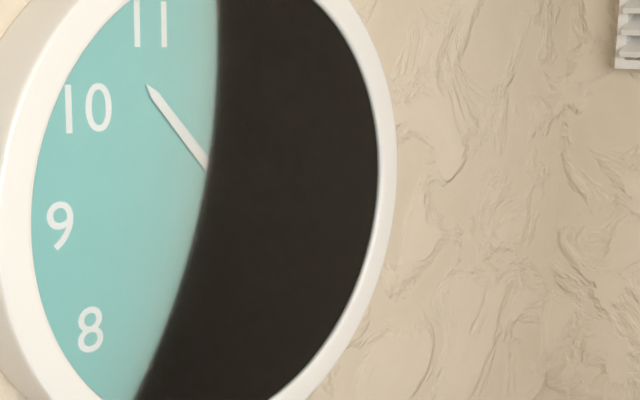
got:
1:53:17
